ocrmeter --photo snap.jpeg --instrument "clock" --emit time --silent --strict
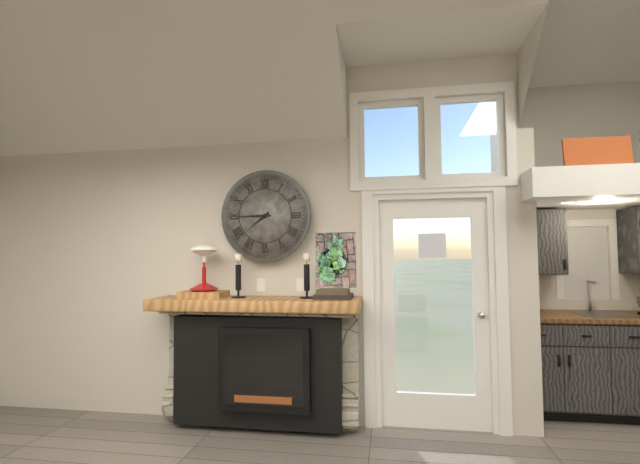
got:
7:45
